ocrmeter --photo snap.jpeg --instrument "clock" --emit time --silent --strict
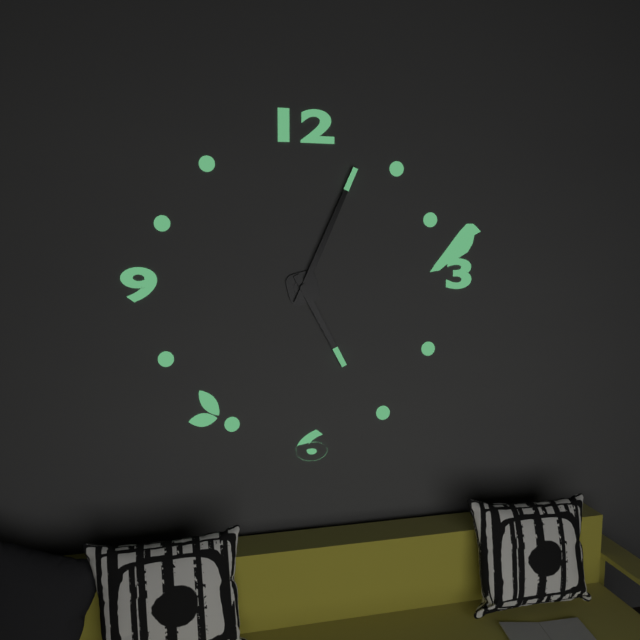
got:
5:04
